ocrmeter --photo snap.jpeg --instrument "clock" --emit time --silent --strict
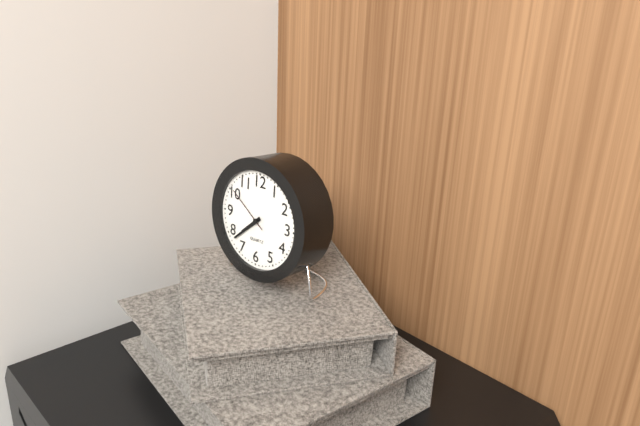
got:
7:38
